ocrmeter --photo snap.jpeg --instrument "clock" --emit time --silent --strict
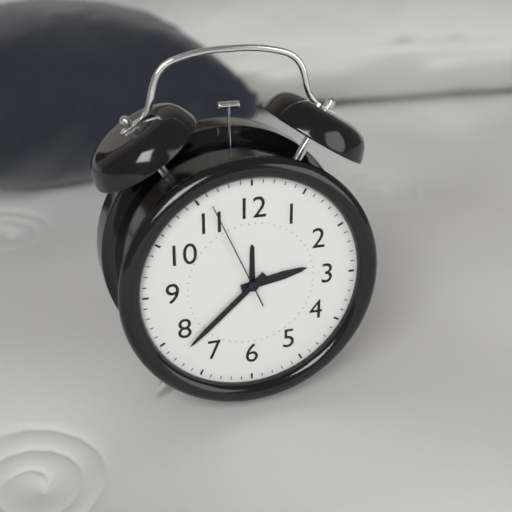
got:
2:38:56
